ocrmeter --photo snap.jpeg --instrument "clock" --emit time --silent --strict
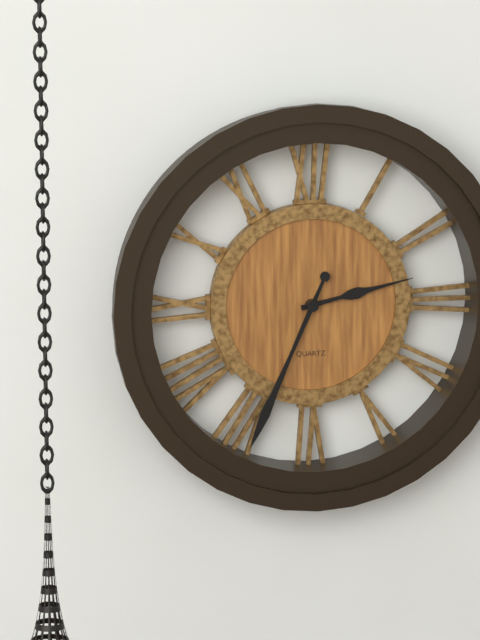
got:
2:34
